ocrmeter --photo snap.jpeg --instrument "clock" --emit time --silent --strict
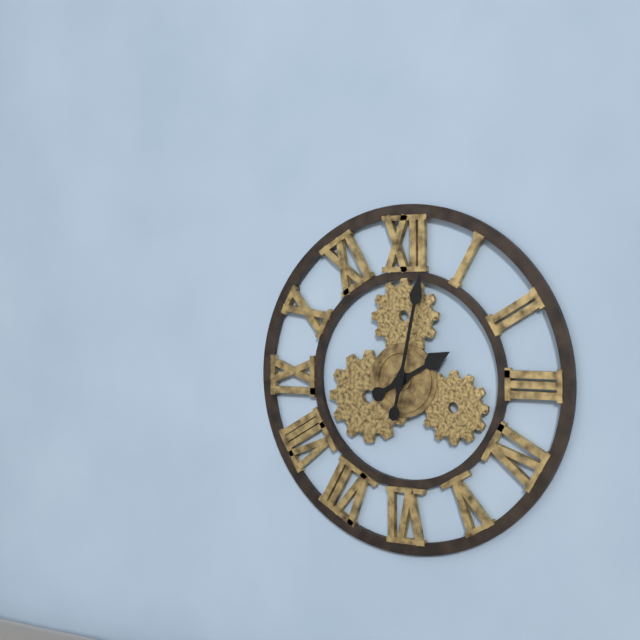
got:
2:02
